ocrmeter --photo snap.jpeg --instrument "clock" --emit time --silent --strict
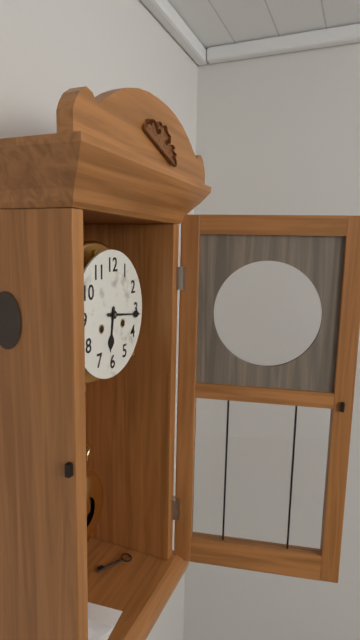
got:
6:16
